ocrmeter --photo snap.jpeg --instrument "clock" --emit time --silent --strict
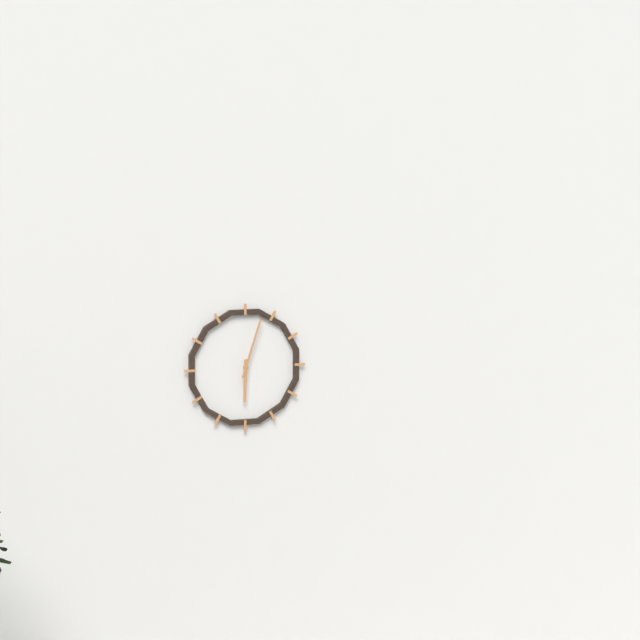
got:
6:03
